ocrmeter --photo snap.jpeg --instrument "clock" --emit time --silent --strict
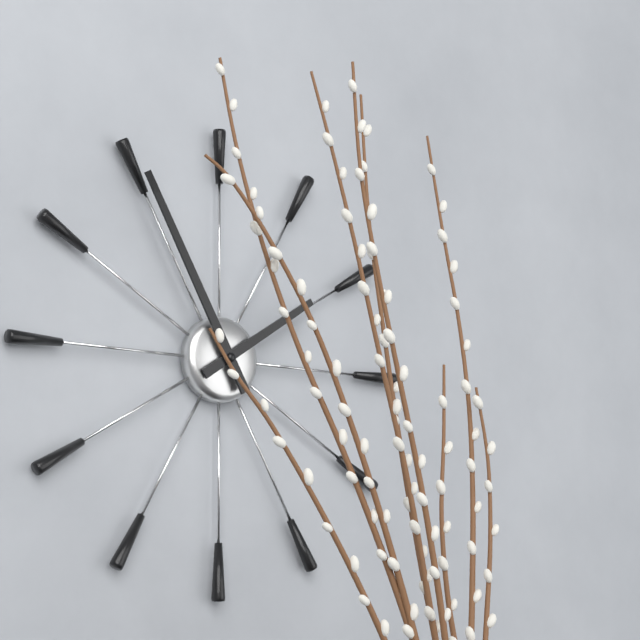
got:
1:55
